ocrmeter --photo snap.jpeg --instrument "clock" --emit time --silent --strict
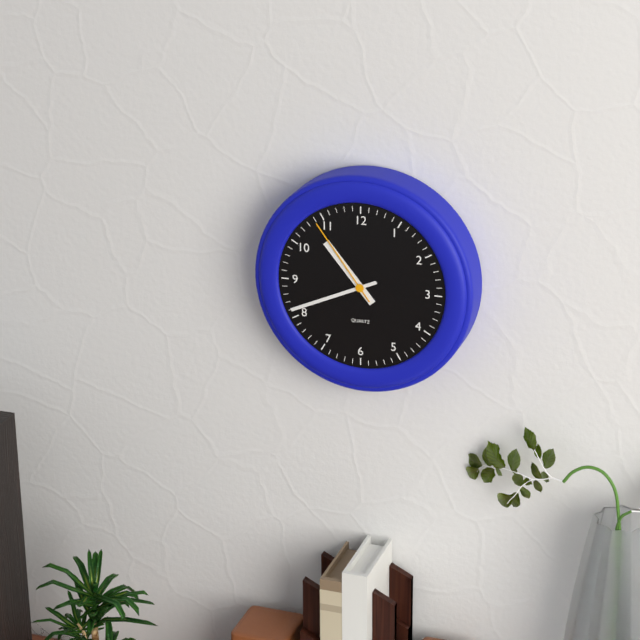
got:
10:41:54
